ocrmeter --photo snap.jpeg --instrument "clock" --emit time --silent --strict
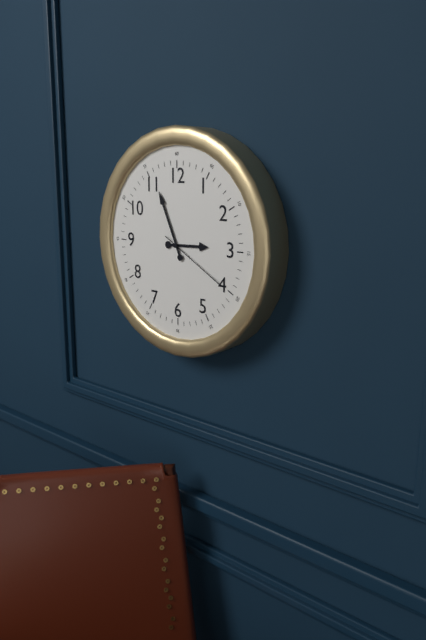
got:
2:56:20
